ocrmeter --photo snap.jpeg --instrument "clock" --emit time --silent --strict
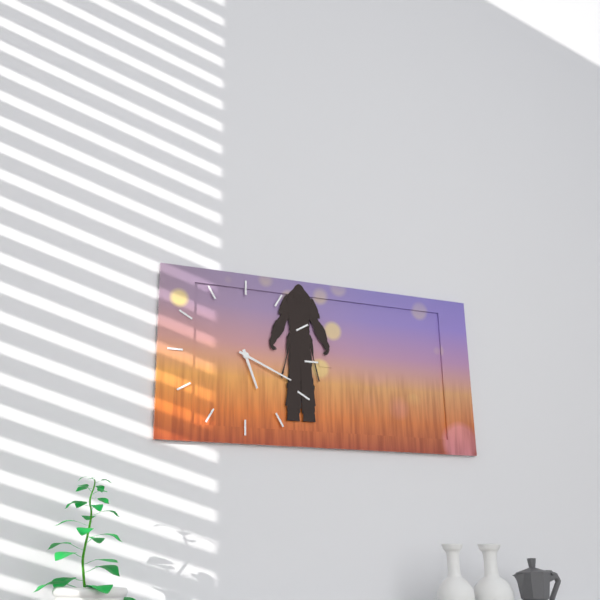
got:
5:19
